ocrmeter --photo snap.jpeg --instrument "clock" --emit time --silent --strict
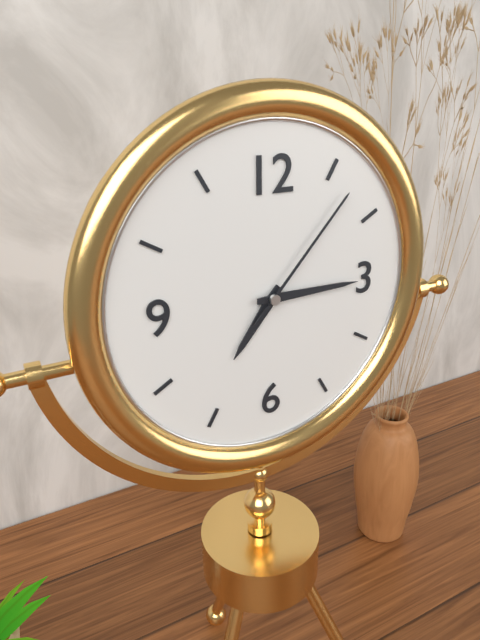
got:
7:15:07
